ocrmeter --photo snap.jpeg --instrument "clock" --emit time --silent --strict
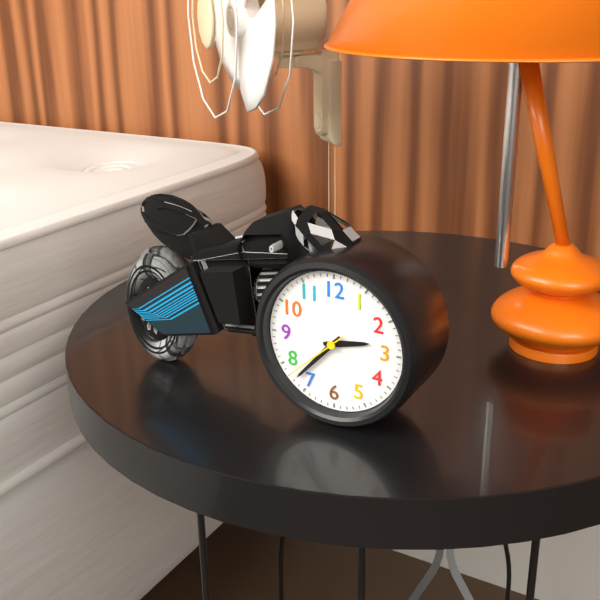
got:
2:37:38
